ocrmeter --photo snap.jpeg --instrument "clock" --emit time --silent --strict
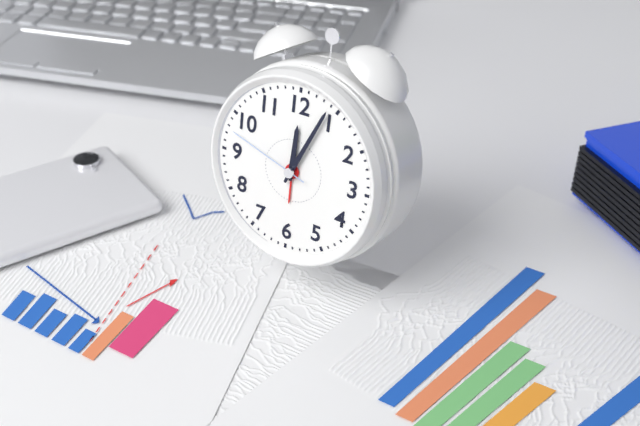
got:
12:04:48
